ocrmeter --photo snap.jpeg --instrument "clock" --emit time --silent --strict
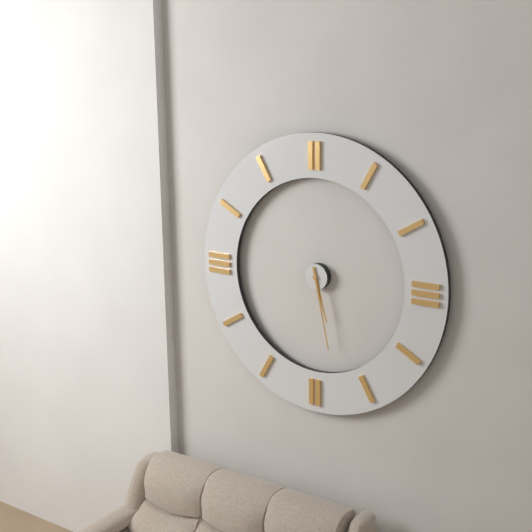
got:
5:28
